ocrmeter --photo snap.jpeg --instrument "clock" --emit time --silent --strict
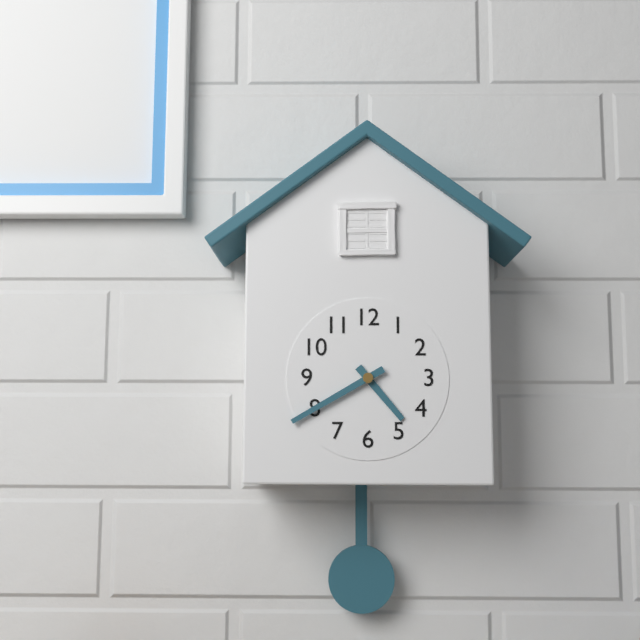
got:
4:40
